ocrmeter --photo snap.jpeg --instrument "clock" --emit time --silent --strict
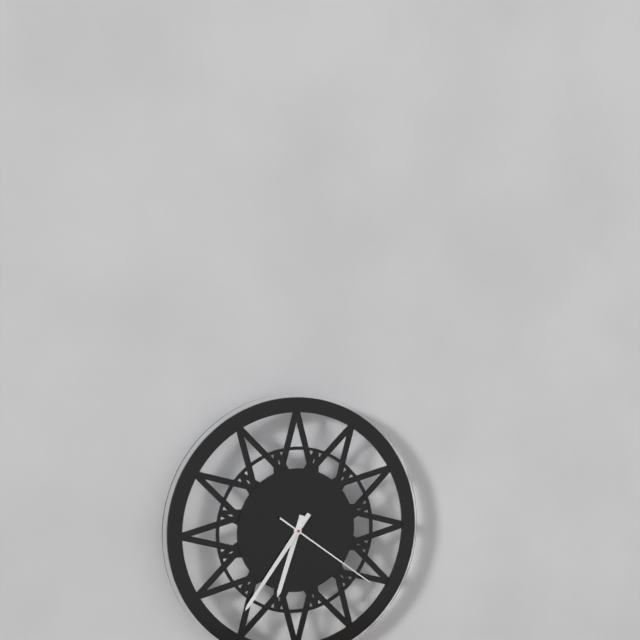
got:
6:36:21
